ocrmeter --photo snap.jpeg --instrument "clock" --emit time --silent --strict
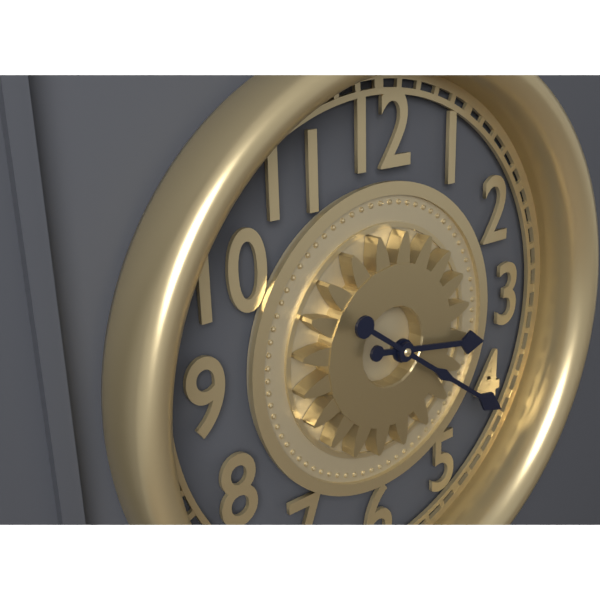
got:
3:21
